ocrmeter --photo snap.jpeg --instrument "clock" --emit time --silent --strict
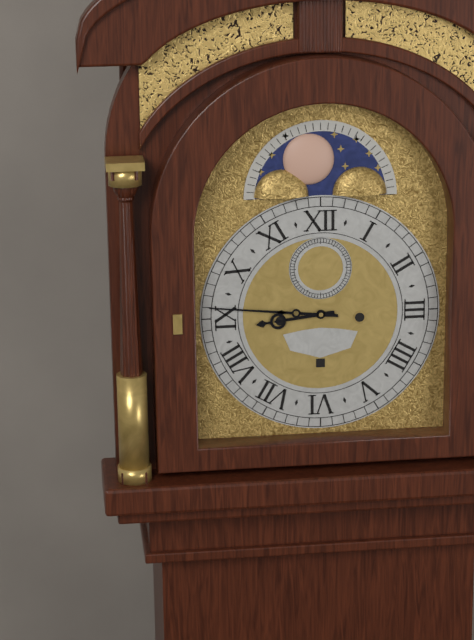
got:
8:46
